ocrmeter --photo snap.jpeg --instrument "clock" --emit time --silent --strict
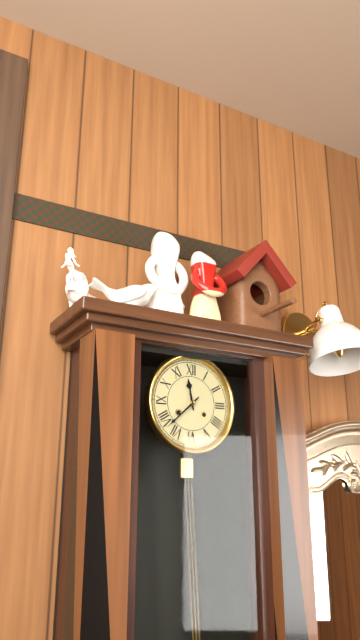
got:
11:38
